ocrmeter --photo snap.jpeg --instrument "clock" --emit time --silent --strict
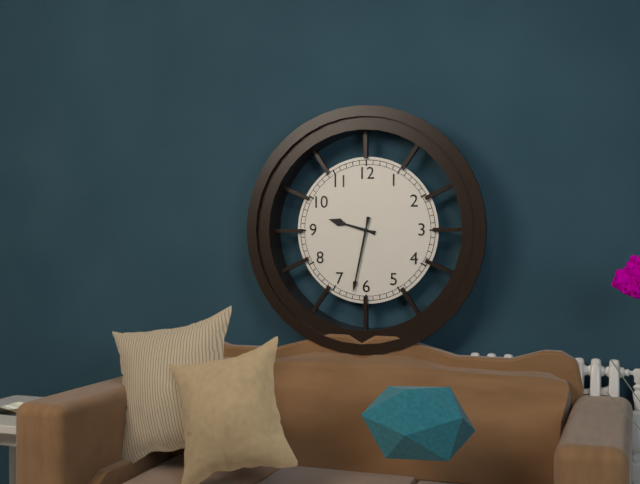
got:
9:32
